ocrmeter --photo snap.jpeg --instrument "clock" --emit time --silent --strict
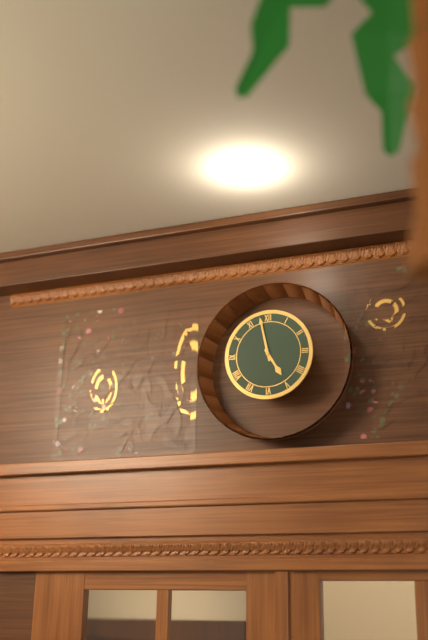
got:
4:58
